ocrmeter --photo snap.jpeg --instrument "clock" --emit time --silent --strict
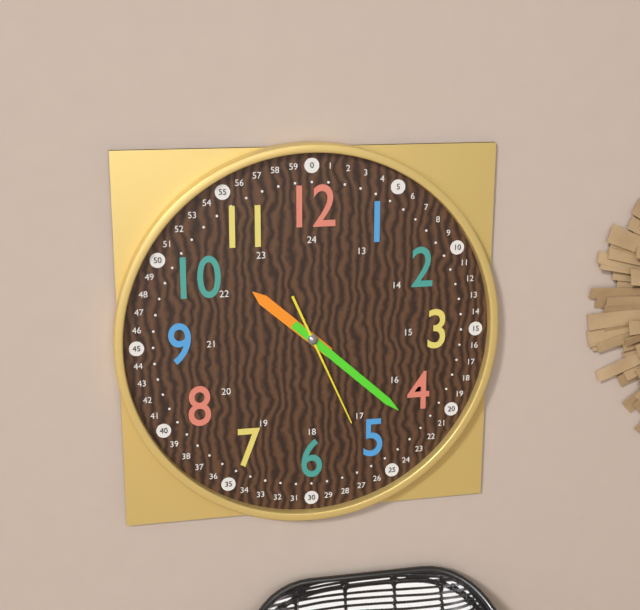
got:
10:22:26
